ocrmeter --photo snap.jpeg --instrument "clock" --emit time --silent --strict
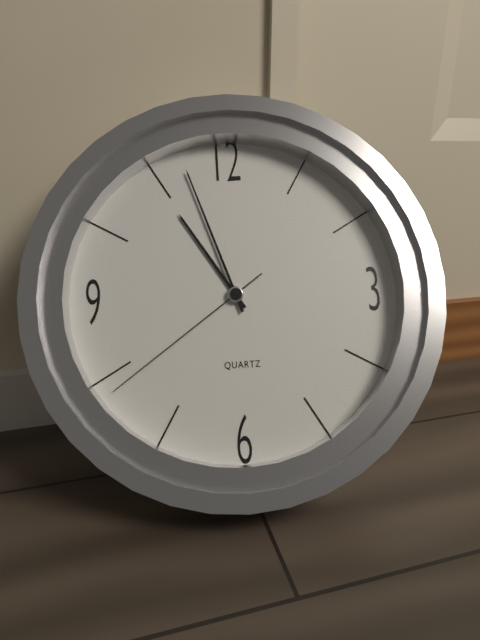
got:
10:57:39
